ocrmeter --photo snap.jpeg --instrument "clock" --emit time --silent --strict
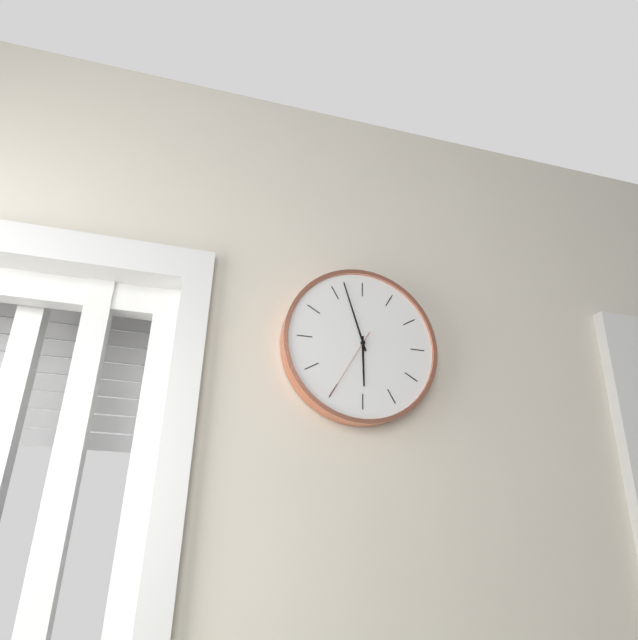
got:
5:57:35
